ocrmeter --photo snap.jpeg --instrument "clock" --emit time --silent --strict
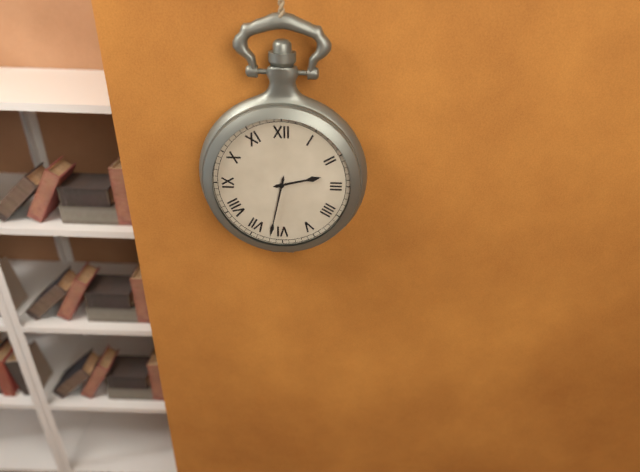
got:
2:32
